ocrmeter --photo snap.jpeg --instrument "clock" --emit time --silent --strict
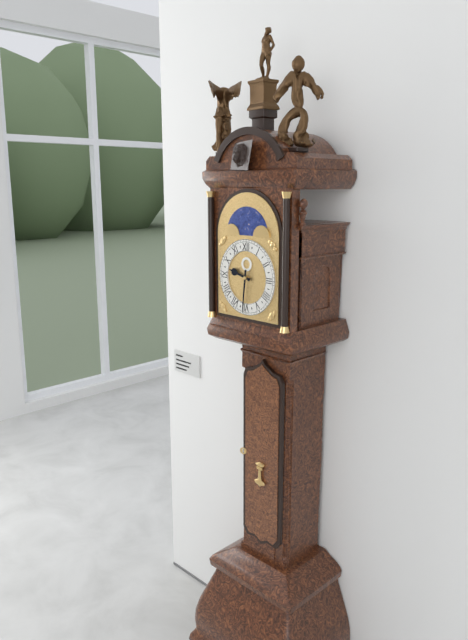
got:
9:31
